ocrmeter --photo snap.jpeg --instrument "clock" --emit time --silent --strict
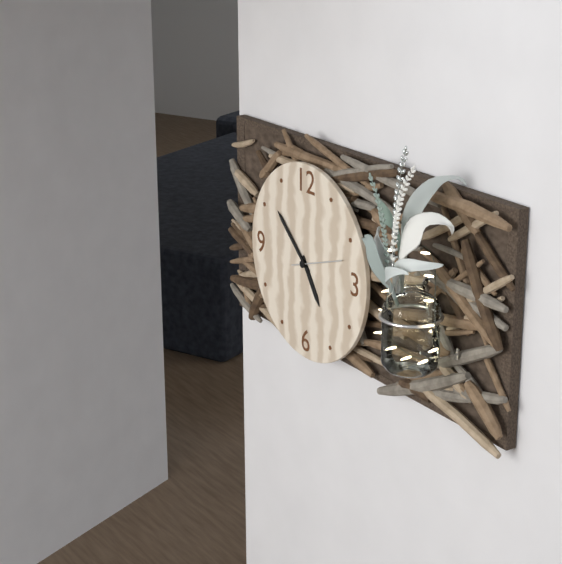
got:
4:52
